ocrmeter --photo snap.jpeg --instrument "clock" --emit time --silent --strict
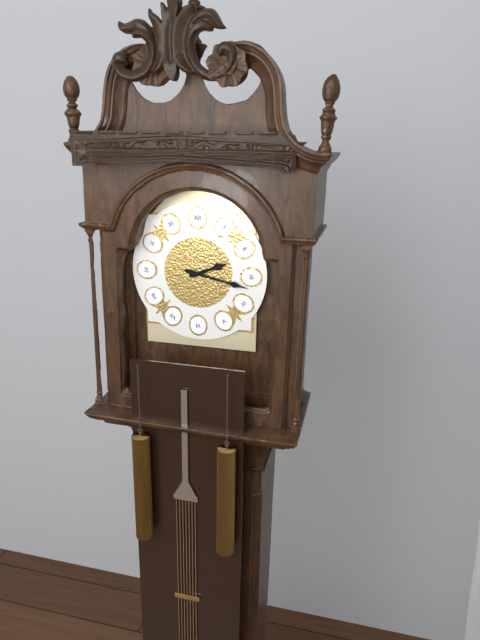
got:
2:17
